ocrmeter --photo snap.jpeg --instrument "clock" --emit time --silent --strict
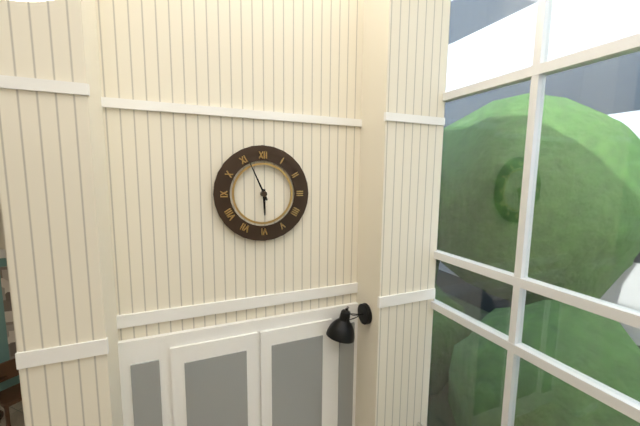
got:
5:56
